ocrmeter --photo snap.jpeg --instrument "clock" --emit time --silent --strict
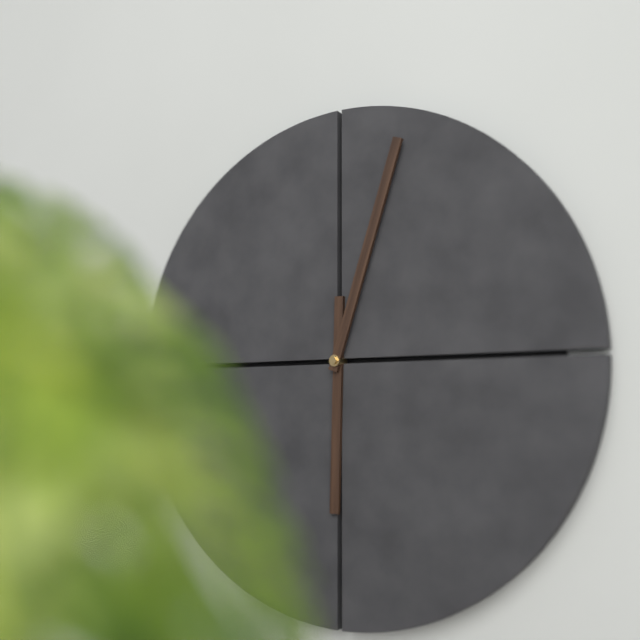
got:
6:03
